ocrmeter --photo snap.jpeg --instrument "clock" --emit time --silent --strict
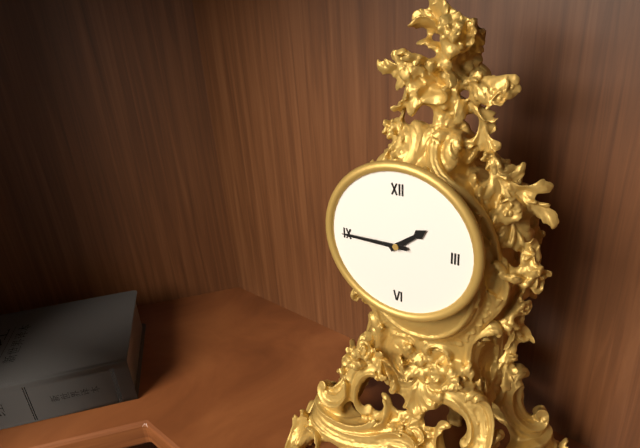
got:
1:45
